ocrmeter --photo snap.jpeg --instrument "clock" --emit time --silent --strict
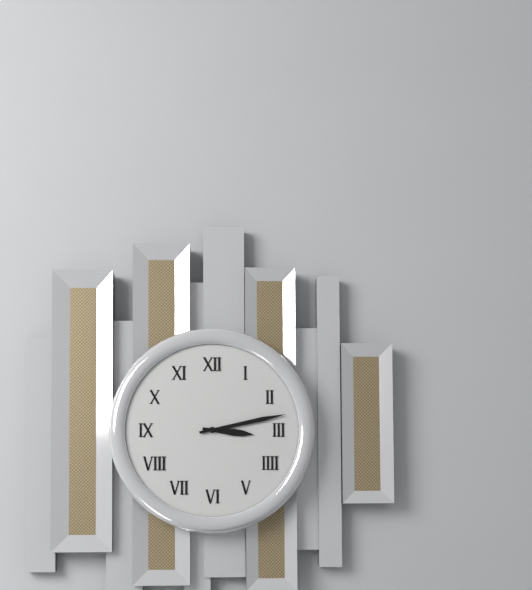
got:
3:13
